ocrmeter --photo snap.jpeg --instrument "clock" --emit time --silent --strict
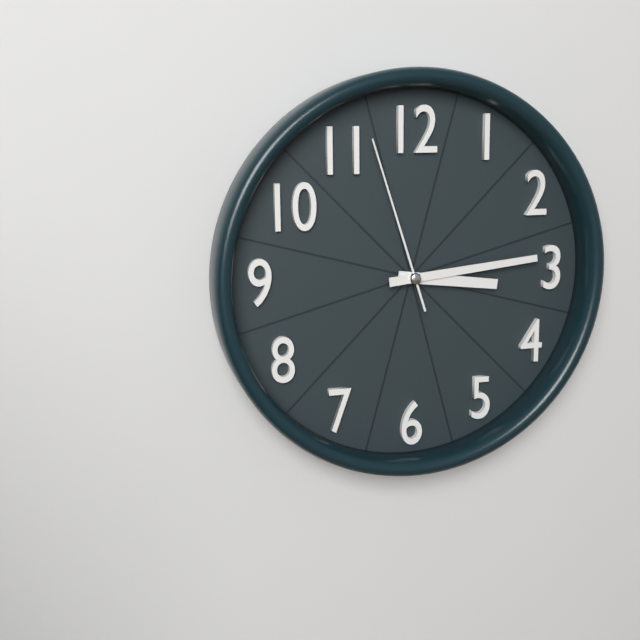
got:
3:14:57
